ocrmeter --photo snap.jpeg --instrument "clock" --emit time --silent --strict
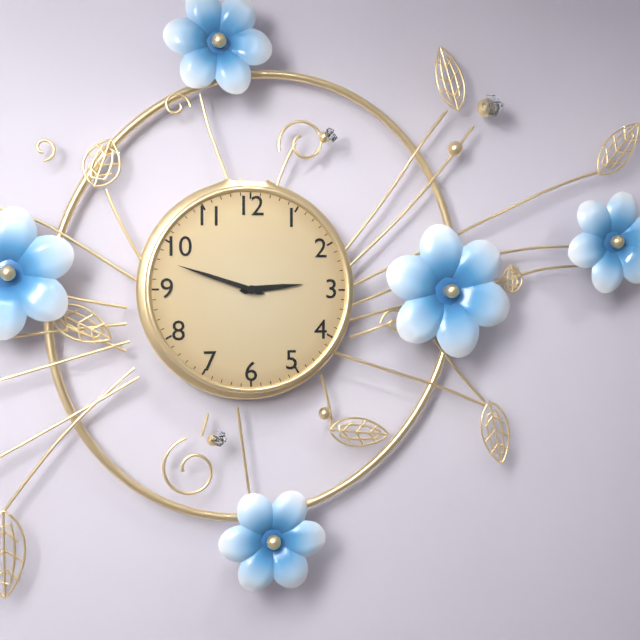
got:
2:48
